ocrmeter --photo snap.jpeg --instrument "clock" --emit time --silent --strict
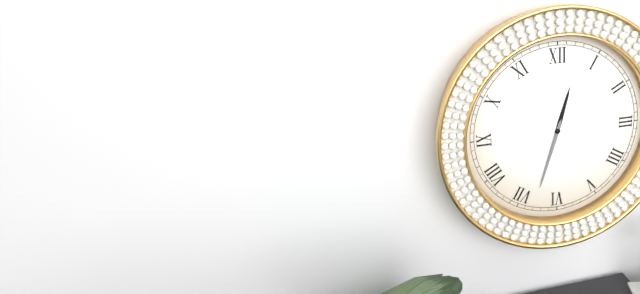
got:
12:33
